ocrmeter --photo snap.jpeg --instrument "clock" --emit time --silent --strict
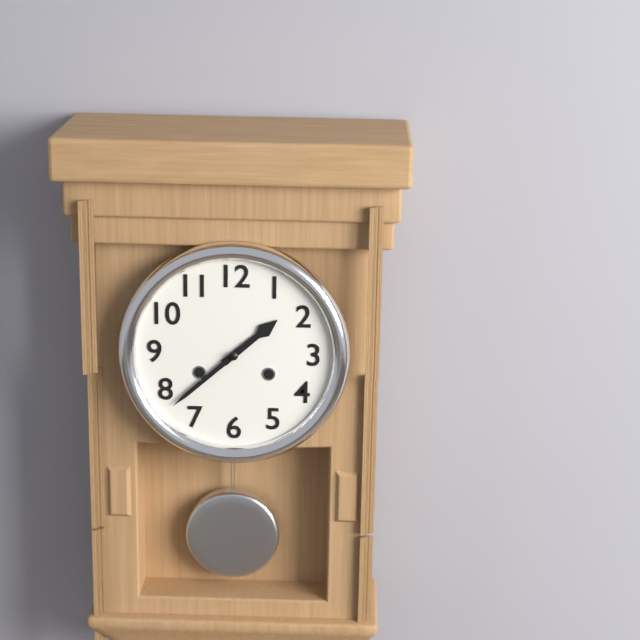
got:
1:38
